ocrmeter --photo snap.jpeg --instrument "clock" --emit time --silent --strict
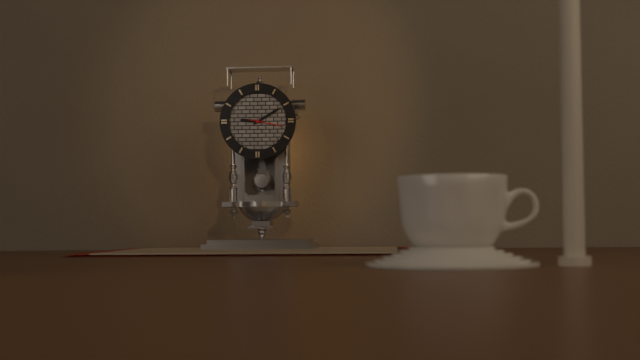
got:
9:10
